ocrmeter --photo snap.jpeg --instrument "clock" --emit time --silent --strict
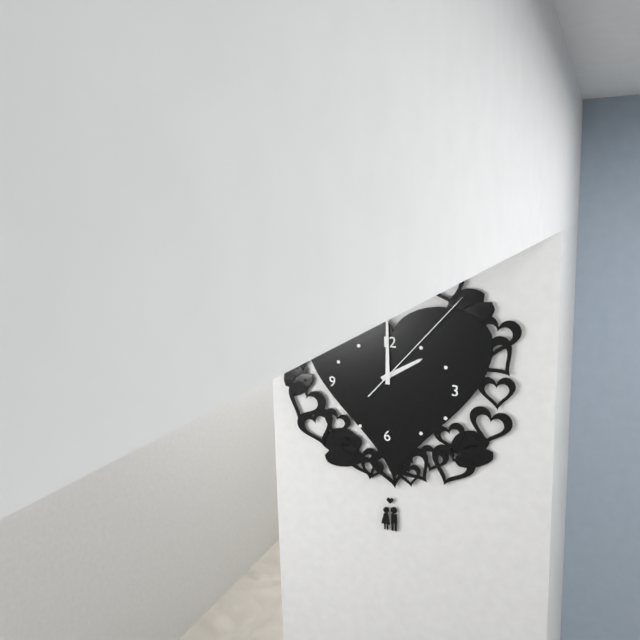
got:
2:00:07
